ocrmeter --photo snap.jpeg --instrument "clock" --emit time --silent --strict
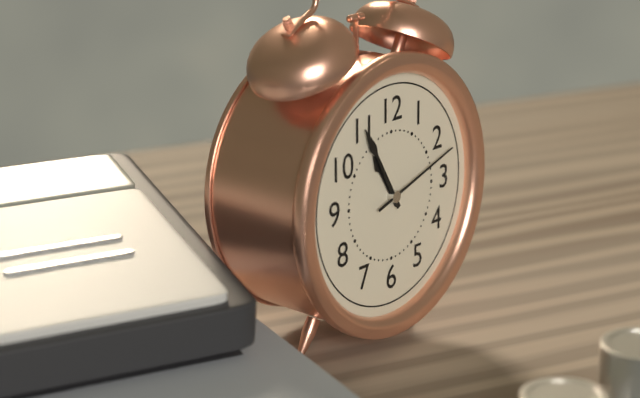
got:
10:55:12
